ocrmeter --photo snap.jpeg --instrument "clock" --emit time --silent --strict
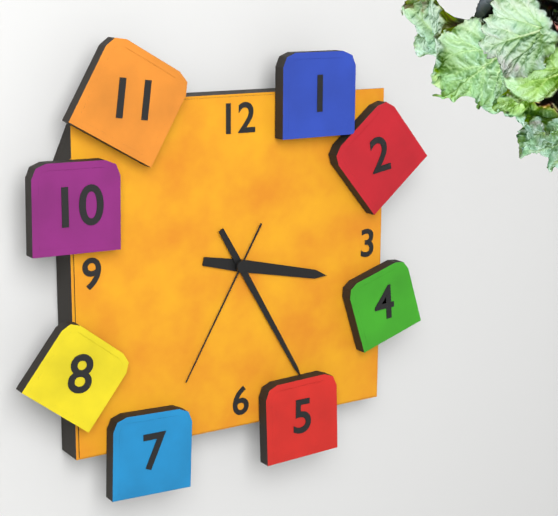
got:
3:25:35
